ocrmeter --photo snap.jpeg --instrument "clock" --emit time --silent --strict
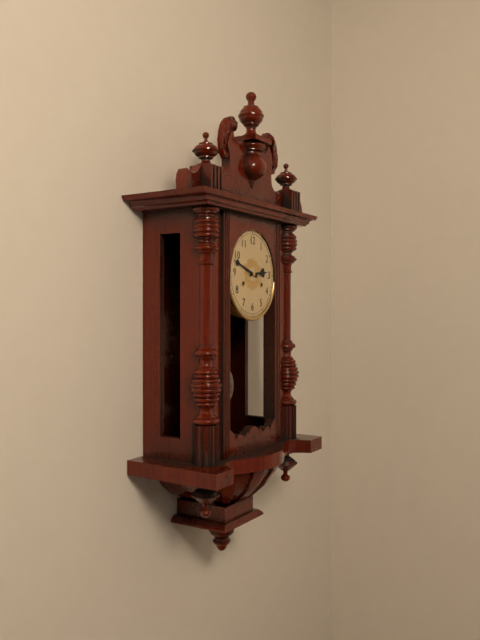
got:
2:48
